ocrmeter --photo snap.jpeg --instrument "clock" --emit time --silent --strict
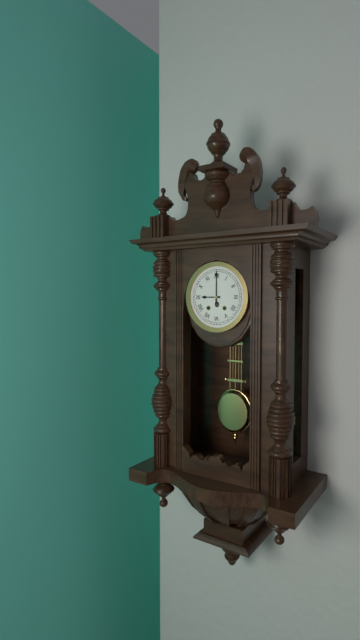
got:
9:00
